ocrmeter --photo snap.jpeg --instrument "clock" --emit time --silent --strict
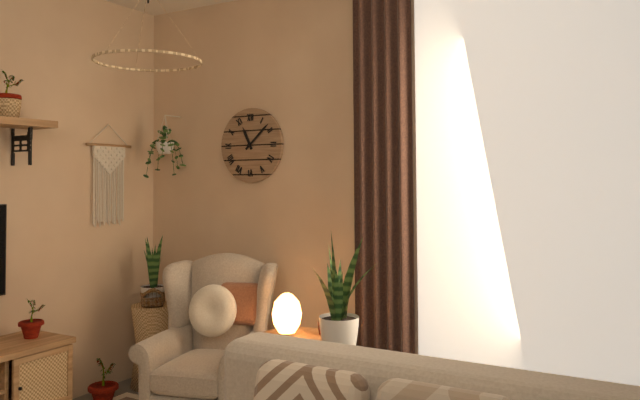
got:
11:08
